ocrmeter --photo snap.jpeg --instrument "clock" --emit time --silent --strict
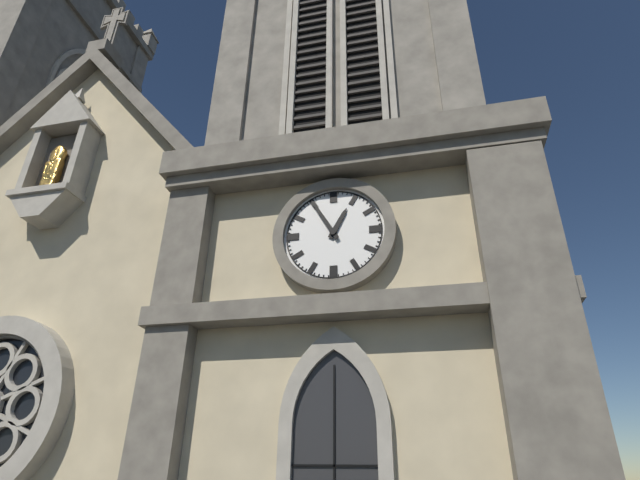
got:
12:55
